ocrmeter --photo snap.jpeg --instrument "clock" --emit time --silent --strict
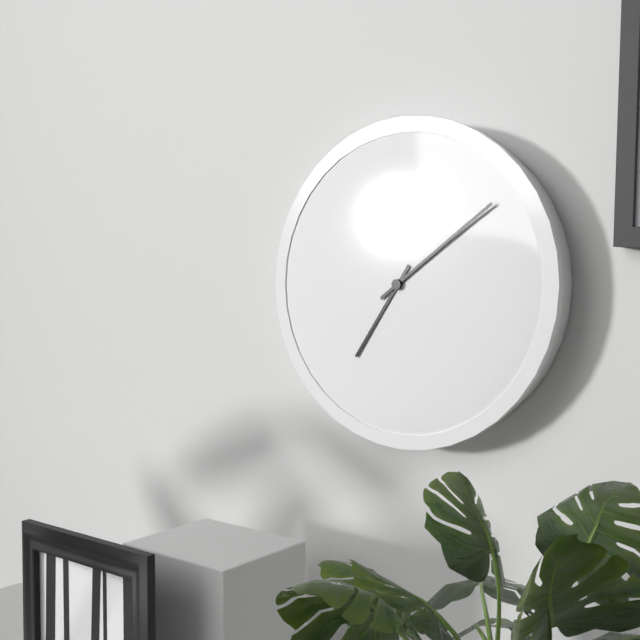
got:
7:09
